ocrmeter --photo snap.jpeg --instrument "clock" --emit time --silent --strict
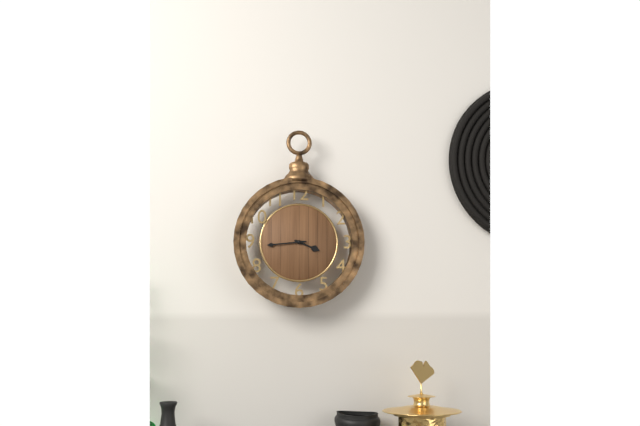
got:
3:44
